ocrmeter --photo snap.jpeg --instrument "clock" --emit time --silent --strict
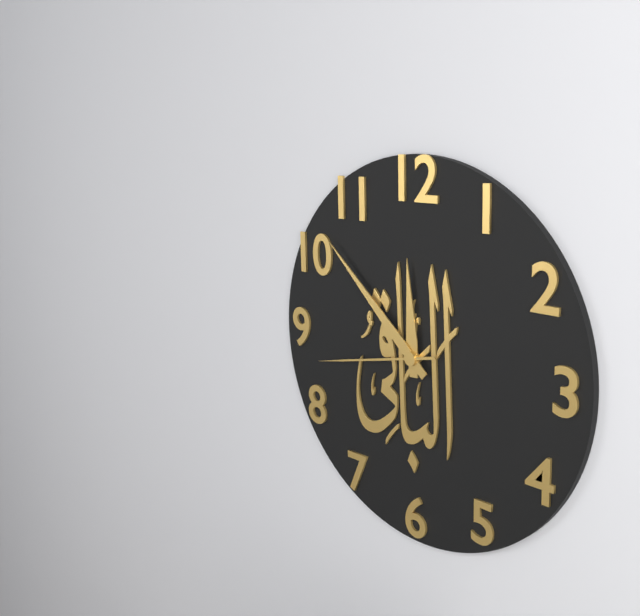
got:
11:52:43
